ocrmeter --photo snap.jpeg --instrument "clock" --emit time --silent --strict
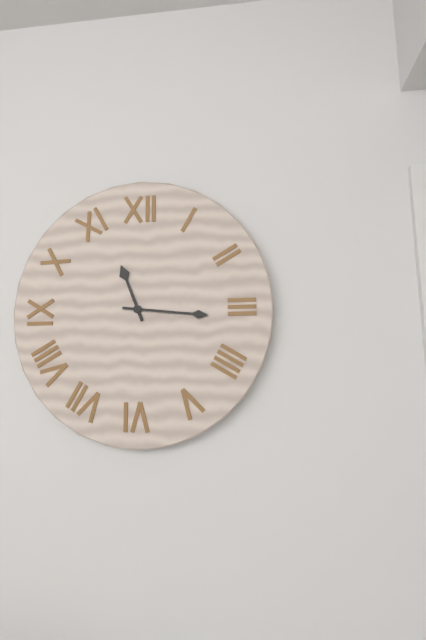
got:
11:16
